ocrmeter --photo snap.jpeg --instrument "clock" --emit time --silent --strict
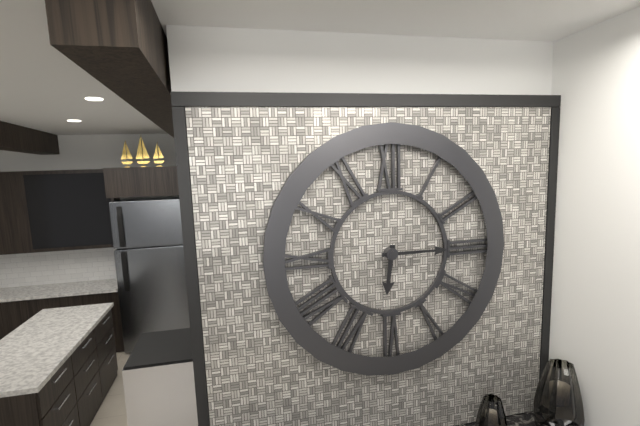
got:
6:15
